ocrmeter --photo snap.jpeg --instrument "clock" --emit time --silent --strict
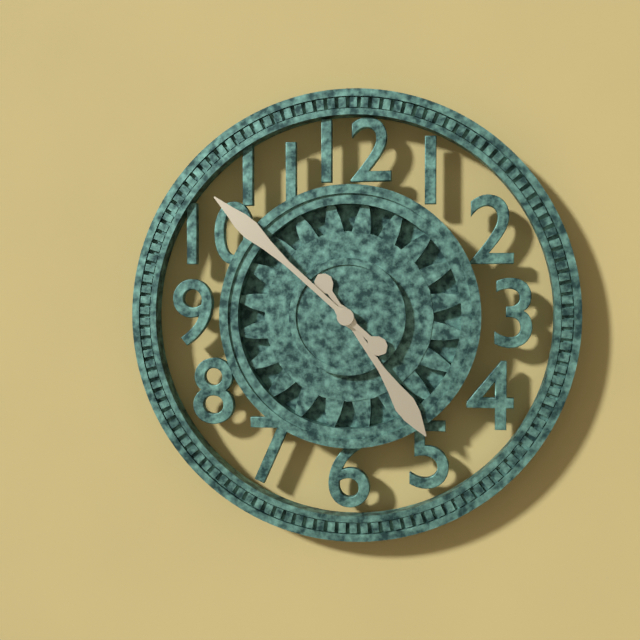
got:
4:52
